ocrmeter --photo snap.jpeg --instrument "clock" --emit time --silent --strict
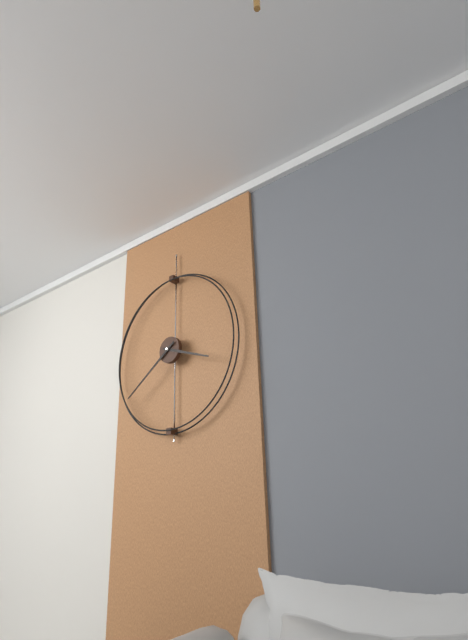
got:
3:39
